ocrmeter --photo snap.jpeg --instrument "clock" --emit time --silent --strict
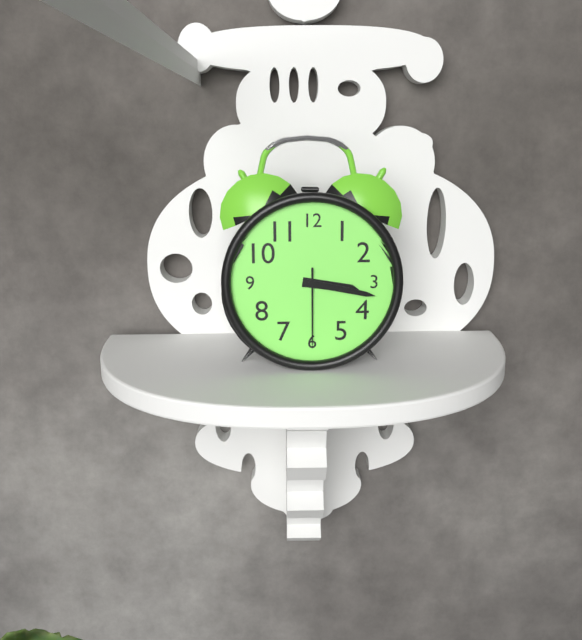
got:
3:17:30
